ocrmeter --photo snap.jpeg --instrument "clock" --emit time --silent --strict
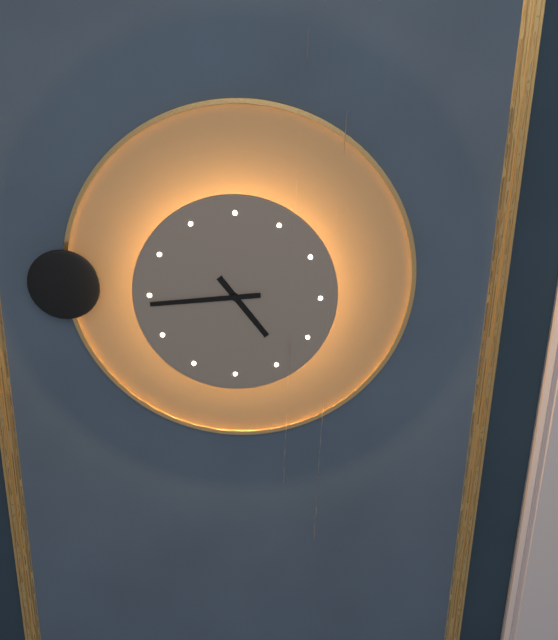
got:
4:44
